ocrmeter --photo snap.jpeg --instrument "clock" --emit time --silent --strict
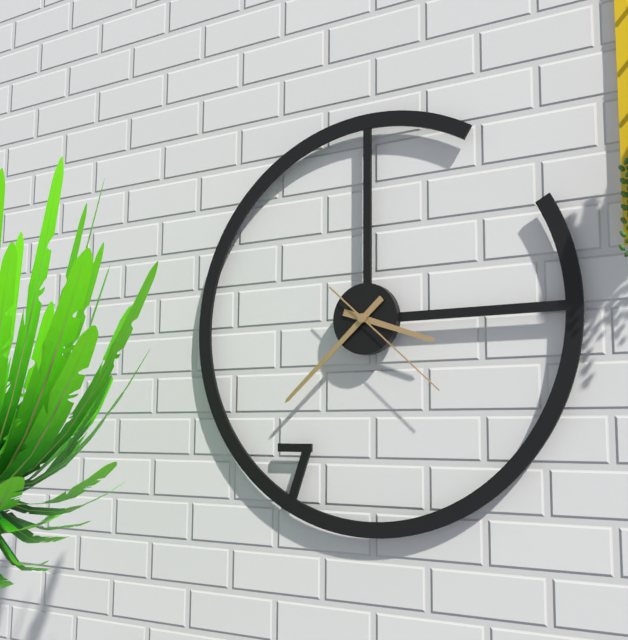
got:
3:38:22
